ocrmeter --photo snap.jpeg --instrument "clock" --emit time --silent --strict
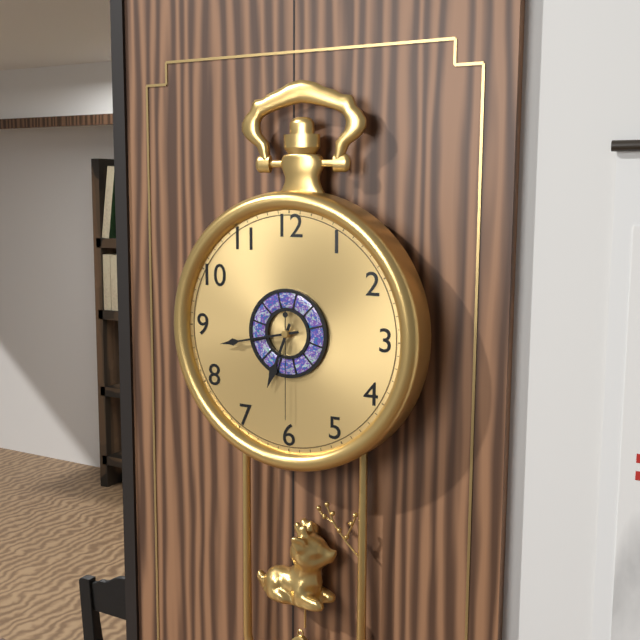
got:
6:43:30
